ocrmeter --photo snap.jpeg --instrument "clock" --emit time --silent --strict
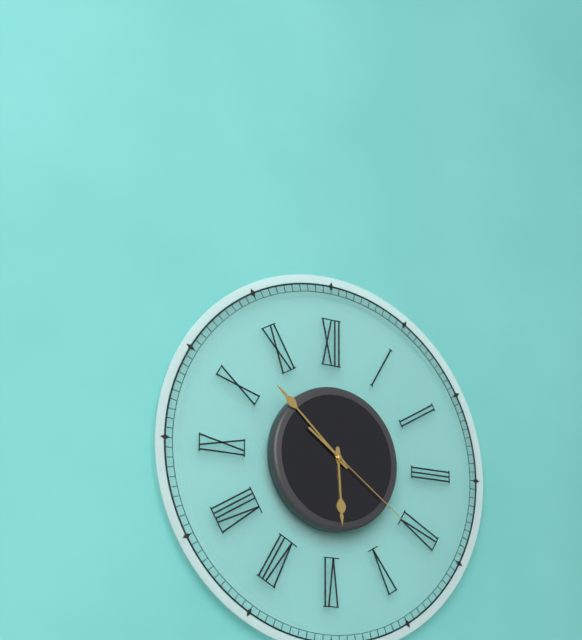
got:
5:52:21
